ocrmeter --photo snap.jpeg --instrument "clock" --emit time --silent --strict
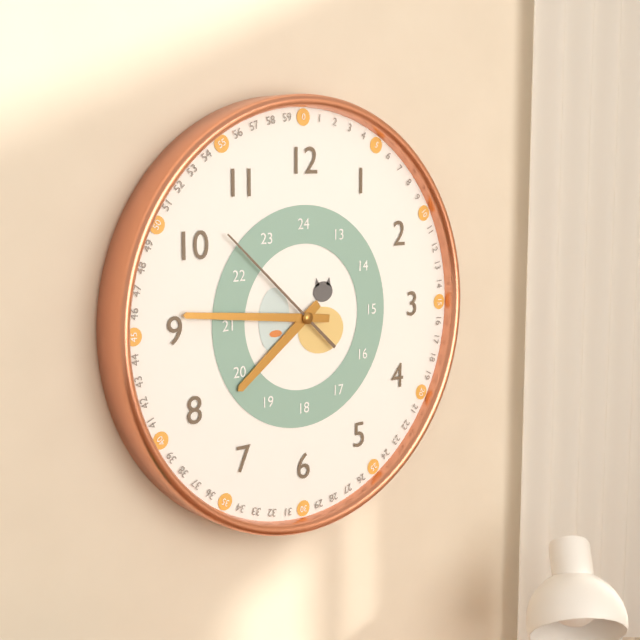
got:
7:46:52
